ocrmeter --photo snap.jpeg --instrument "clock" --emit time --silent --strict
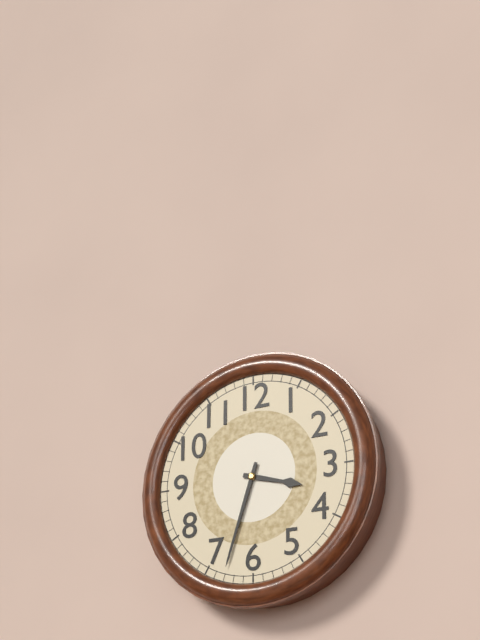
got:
3:33
